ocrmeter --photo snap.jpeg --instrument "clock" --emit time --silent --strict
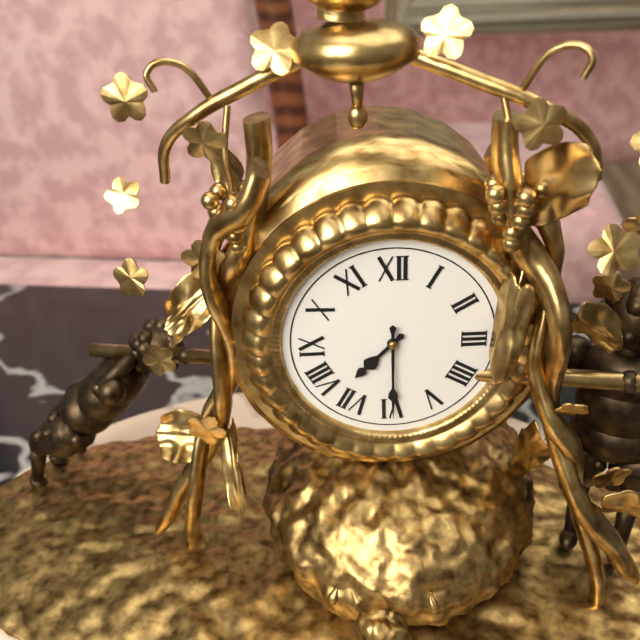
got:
7:30
